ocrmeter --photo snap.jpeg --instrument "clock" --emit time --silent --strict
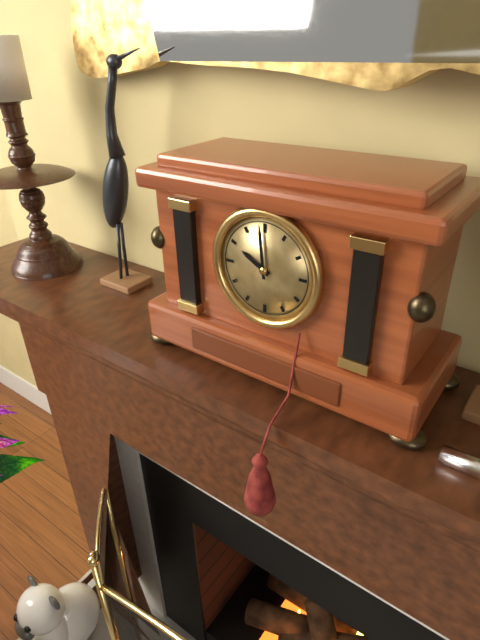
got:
9:59
